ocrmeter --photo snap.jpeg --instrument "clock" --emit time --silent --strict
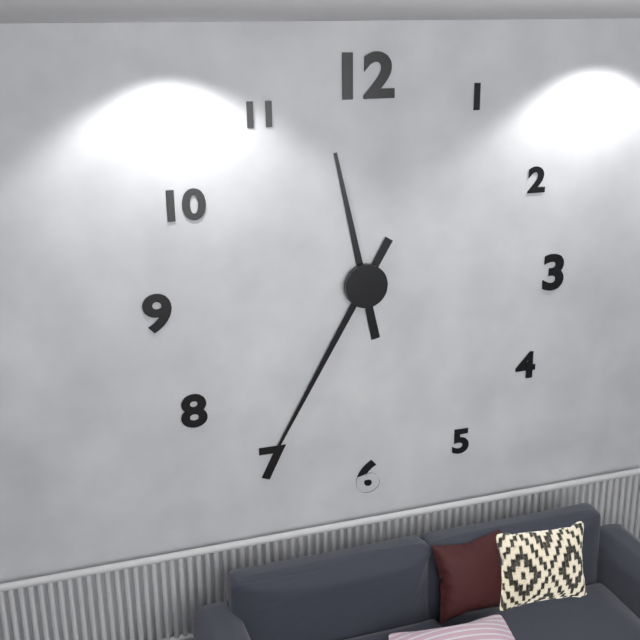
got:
11:35
